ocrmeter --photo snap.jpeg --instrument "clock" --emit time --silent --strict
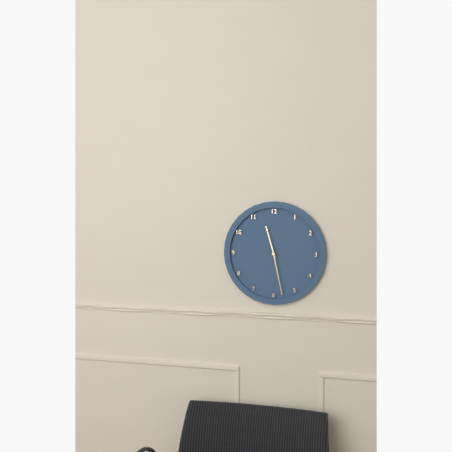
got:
11:28
